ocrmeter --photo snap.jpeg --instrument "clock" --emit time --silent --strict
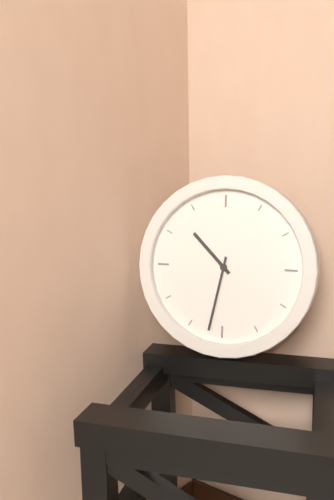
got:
10:32
